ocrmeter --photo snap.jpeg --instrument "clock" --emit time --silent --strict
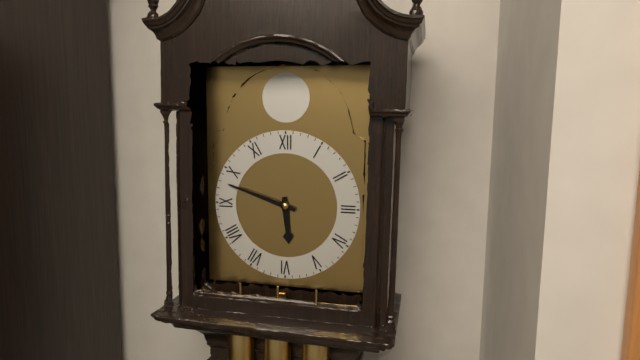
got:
5:48
